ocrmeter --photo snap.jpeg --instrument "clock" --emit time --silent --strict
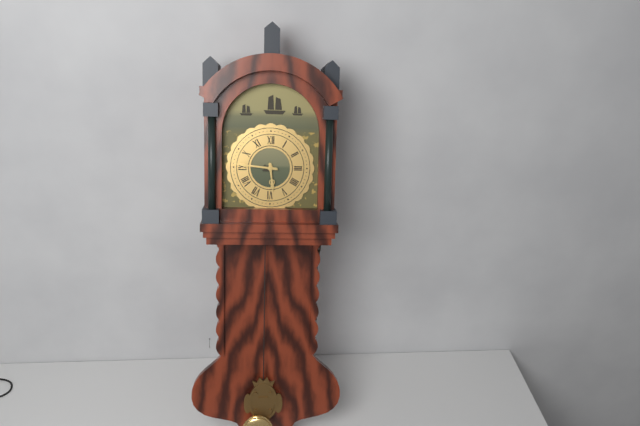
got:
5:46
